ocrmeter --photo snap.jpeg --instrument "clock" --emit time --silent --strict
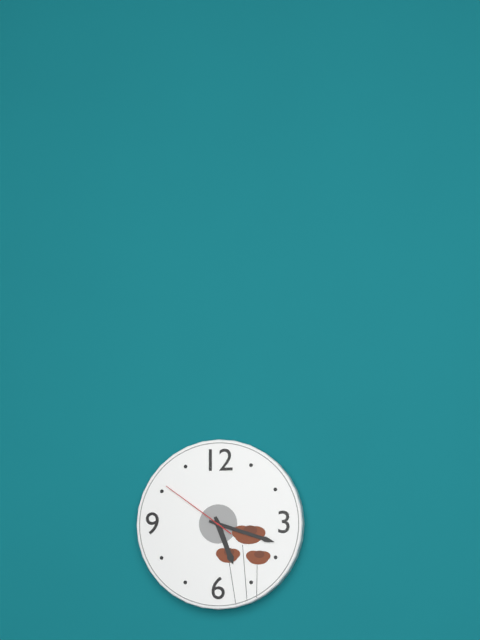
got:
5:18:51
